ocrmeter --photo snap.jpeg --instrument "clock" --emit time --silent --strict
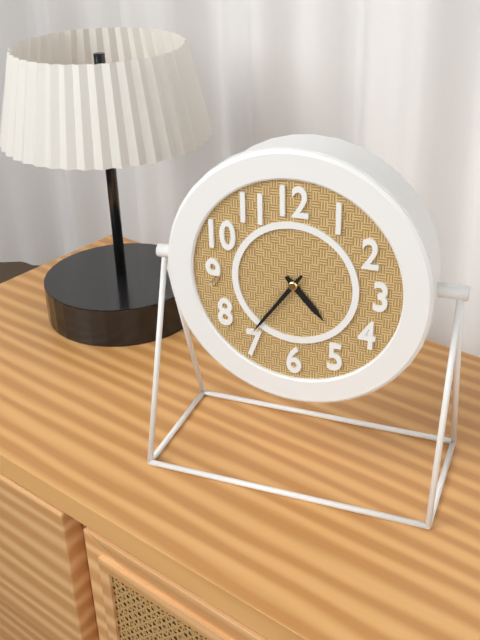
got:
4:36
